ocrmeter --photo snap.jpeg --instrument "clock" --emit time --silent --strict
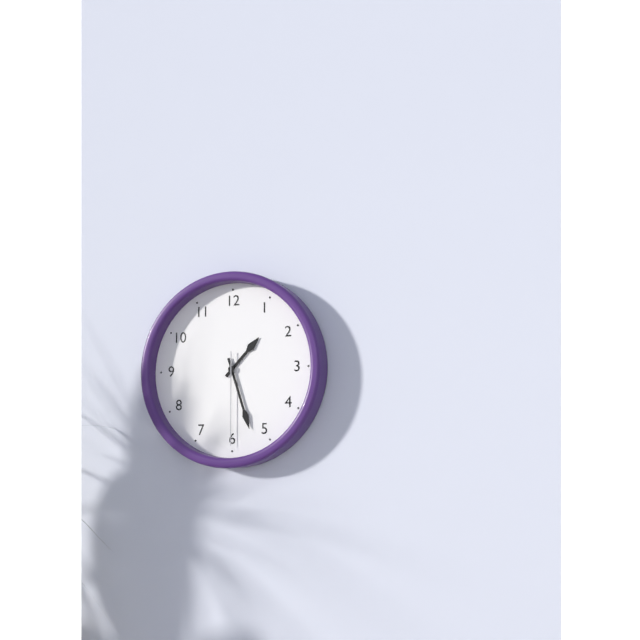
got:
1:27:30
